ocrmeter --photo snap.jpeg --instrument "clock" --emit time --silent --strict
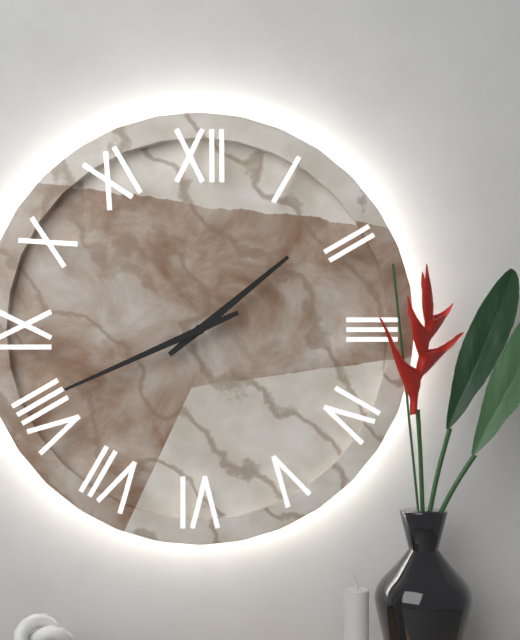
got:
1:41
